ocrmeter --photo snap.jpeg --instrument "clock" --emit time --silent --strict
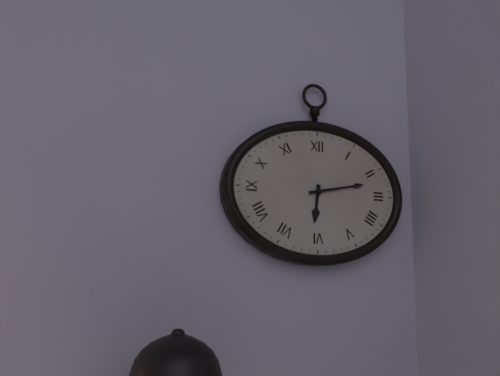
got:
6:13
